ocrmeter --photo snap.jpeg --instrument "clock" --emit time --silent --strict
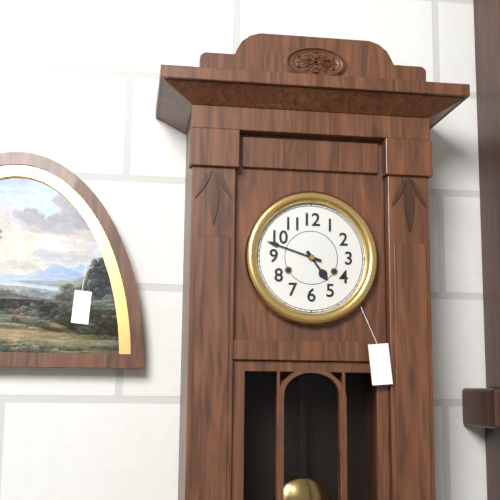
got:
4:48
